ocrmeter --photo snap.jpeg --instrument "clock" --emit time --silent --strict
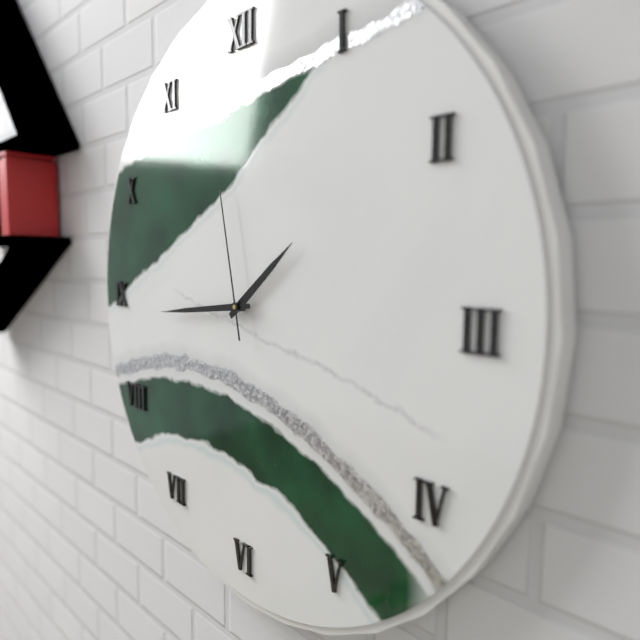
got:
1:44:58
